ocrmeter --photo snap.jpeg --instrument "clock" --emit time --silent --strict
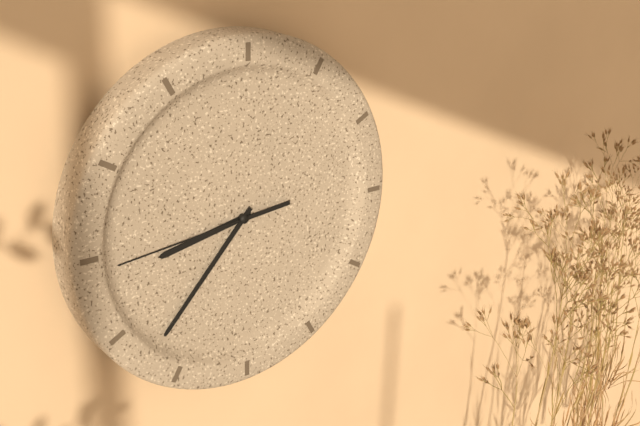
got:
8:37:44
